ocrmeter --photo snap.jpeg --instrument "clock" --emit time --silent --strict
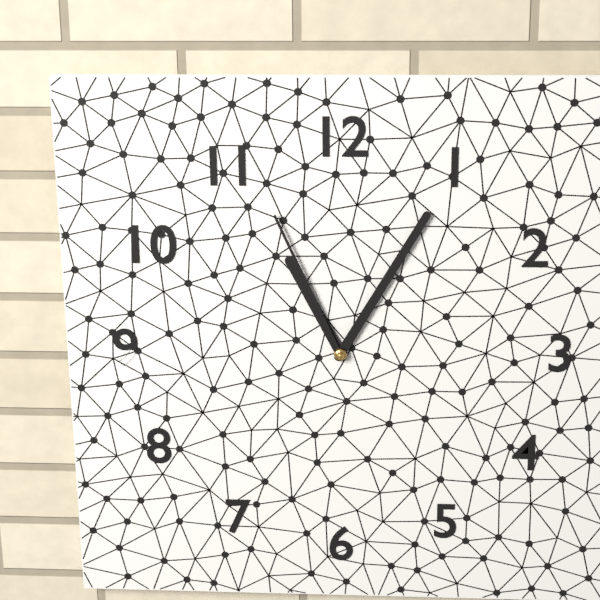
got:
11:05:56
